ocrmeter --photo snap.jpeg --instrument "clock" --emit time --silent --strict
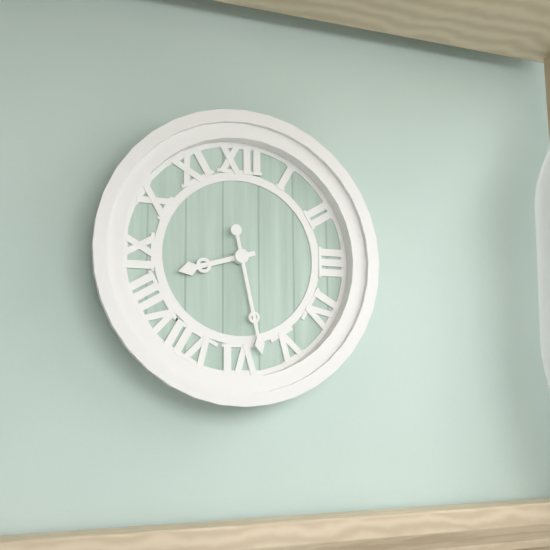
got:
8:28
